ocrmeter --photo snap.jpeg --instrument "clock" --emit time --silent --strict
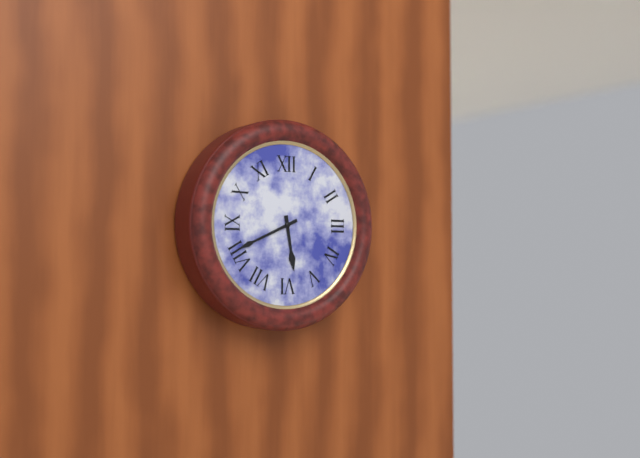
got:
5:41
